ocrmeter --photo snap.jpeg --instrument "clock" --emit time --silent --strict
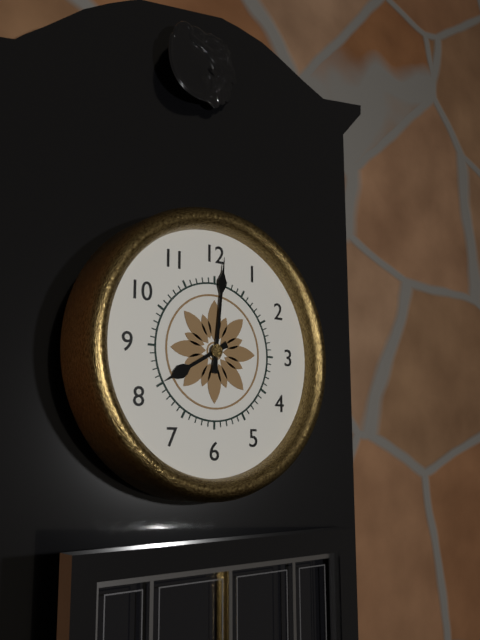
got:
8:01
